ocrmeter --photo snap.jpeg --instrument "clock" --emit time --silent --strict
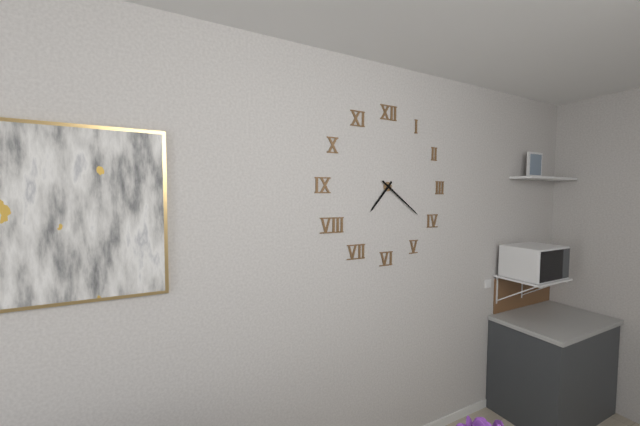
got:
7:21
